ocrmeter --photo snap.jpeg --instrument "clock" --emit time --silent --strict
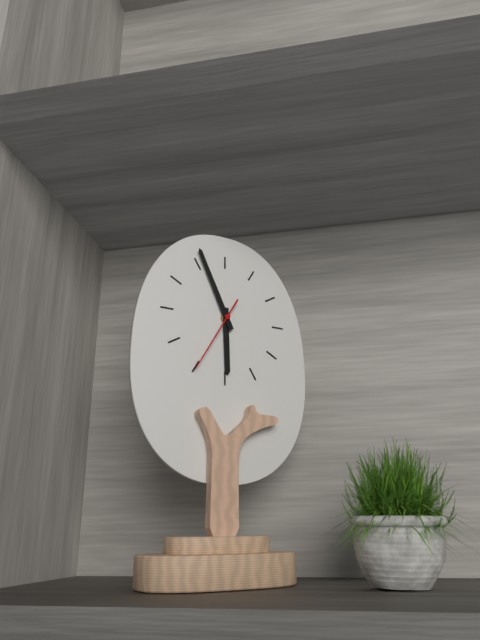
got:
5:56:35
